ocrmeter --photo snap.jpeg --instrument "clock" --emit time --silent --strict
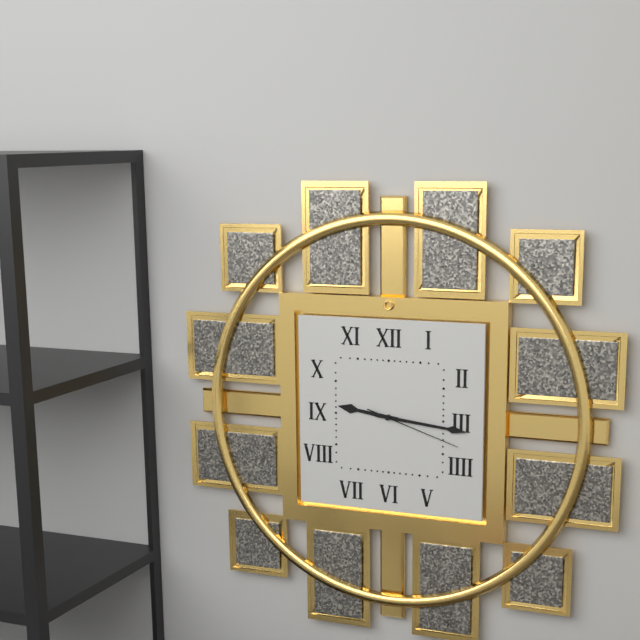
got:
9:16:18
